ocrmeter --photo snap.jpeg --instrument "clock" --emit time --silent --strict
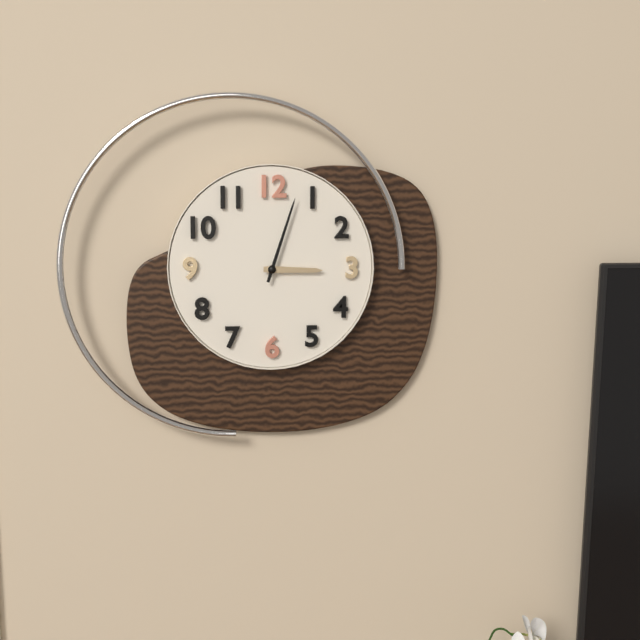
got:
3:03
